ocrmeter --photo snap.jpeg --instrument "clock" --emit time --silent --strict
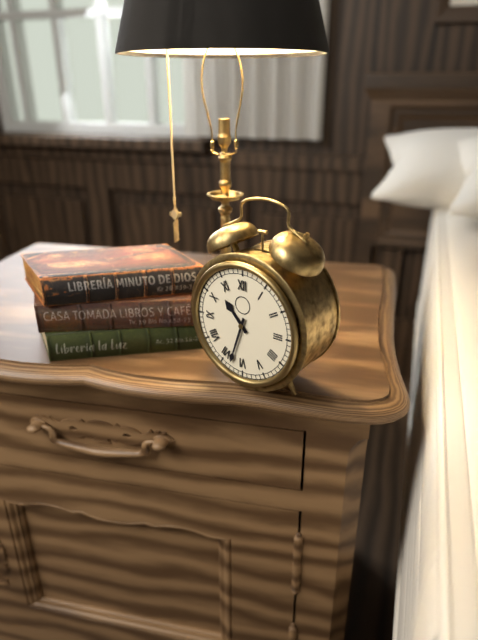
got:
10:33
